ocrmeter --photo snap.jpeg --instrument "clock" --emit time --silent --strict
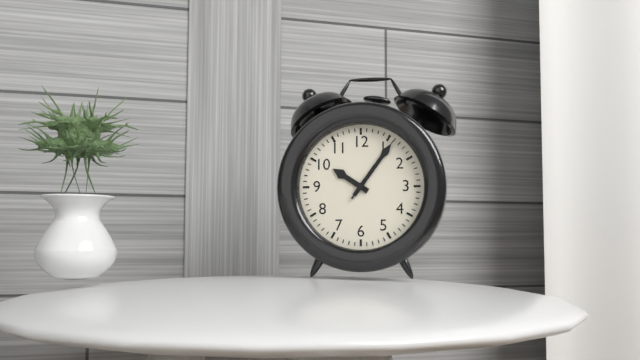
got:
10:06:06
